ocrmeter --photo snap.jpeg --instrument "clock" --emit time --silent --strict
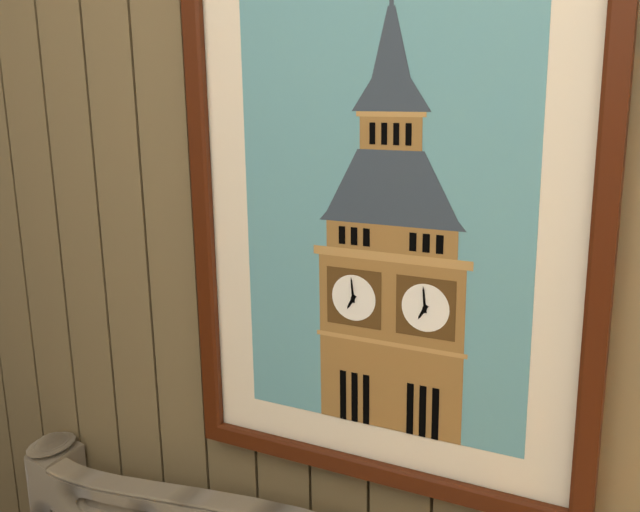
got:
6:59
